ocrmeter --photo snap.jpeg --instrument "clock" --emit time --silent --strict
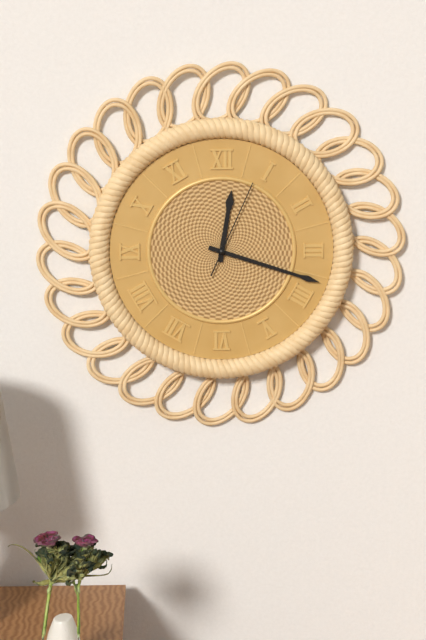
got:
12:18:04
